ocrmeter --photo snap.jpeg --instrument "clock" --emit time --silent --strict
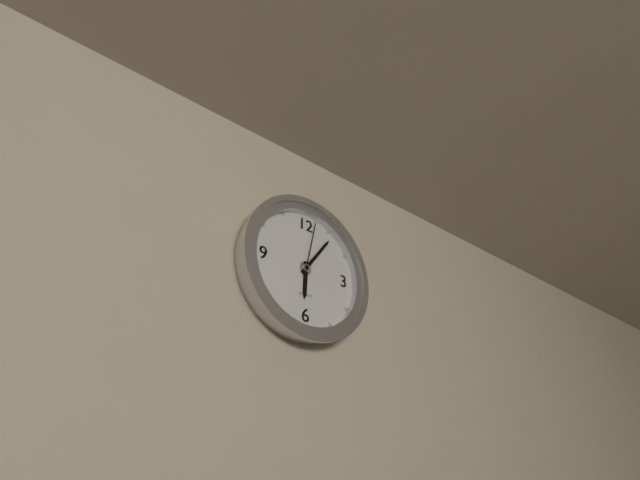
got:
6:06:02
